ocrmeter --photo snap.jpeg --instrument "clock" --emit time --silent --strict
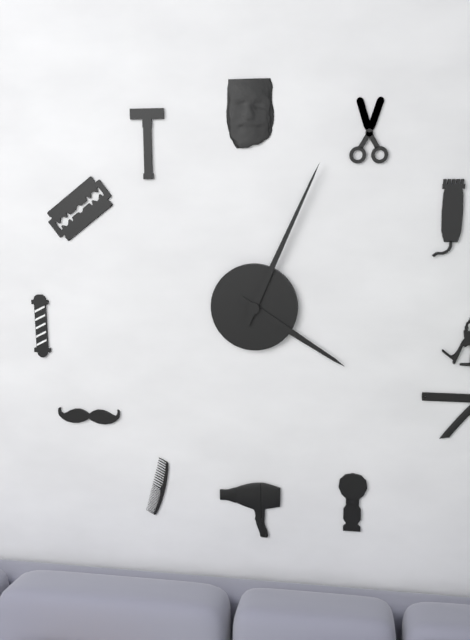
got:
4:04
